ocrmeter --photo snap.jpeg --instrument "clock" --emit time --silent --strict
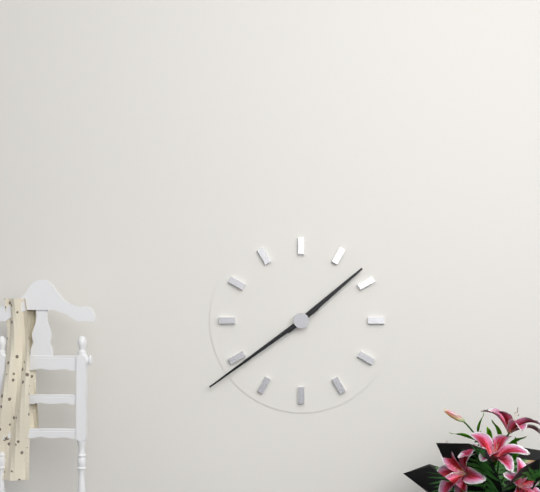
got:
1:39
